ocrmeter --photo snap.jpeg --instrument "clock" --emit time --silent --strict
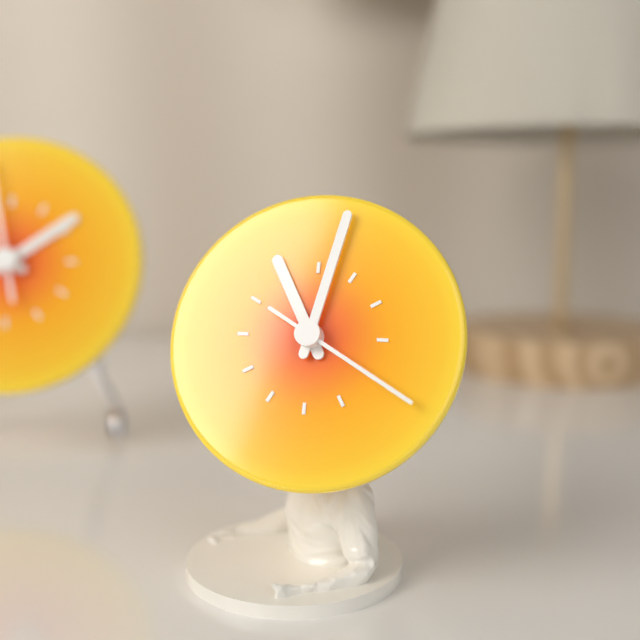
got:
11:02:20
